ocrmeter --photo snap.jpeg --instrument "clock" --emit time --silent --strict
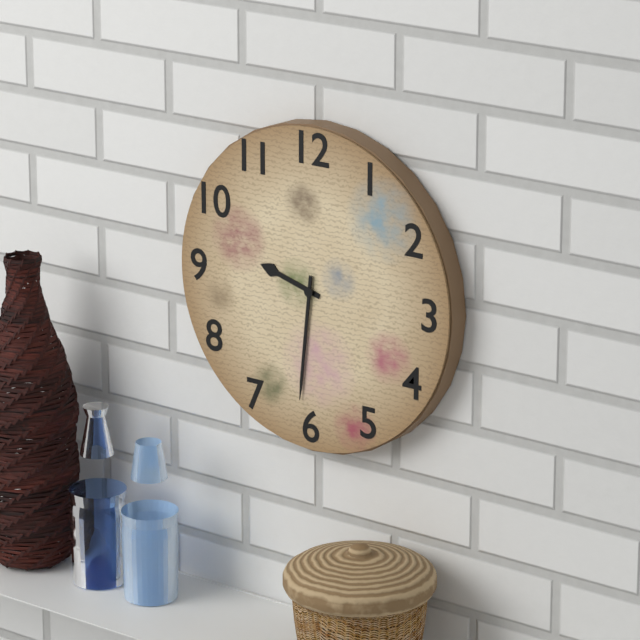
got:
9:31
